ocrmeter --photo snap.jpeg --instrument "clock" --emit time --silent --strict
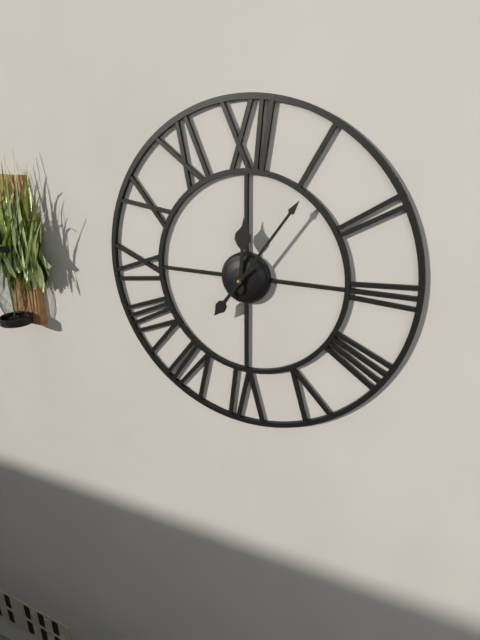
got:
12:06
